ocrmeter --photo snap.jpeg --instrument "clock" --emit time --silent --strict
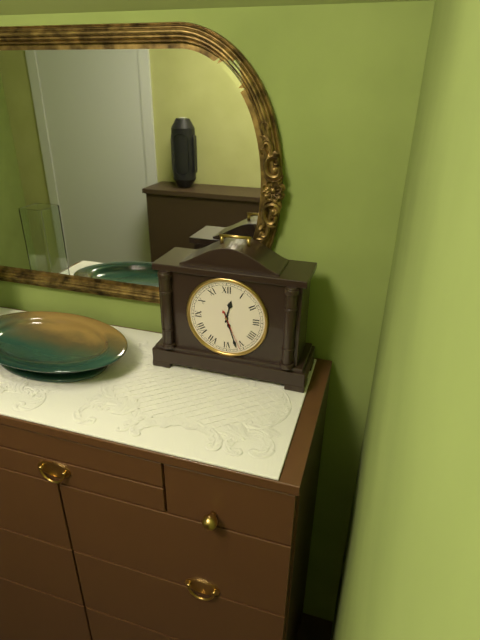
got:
12:27
